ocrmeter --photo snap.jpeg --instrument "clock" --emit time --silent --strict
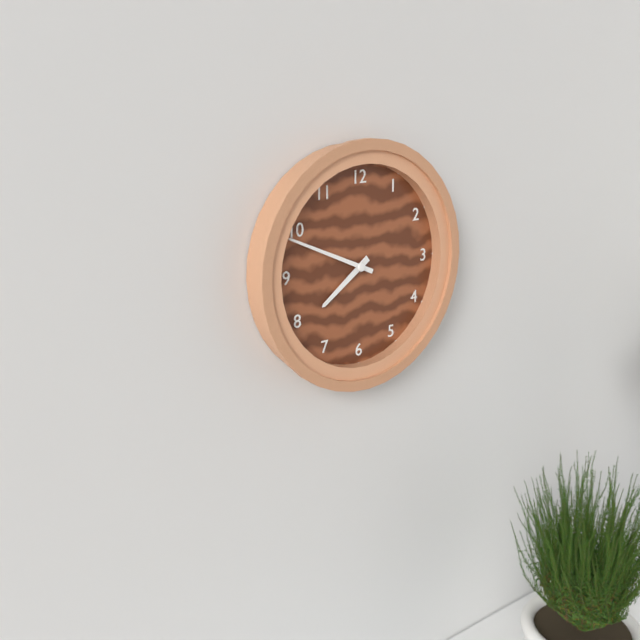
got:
7:49
